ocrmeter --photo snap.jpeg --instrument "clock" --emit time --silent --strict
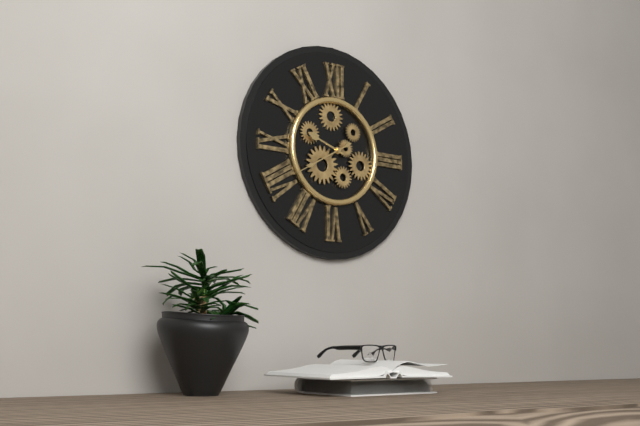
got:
9:40
